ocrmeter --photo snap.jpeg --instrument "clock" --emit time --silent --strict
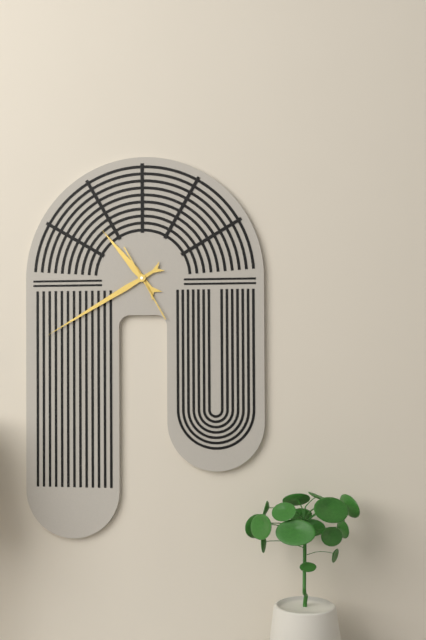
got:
10:40:25
